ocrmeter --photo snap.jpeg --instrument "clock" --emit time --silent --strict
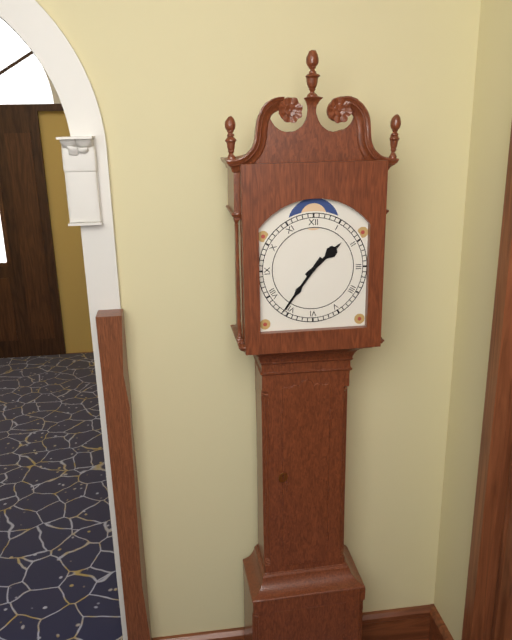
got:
1:36
